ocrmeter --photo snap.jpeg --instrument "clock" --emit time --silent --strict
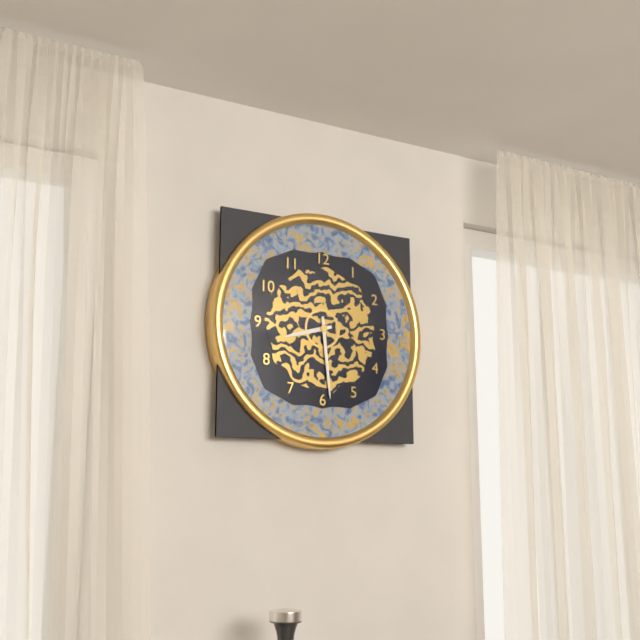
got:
8:29
